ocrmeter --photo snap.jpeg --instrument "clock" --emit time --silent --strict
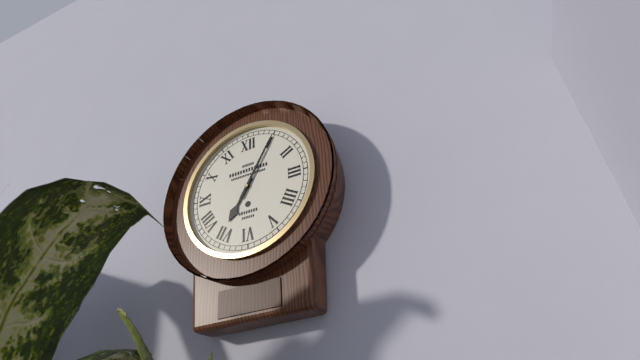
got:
7:05
